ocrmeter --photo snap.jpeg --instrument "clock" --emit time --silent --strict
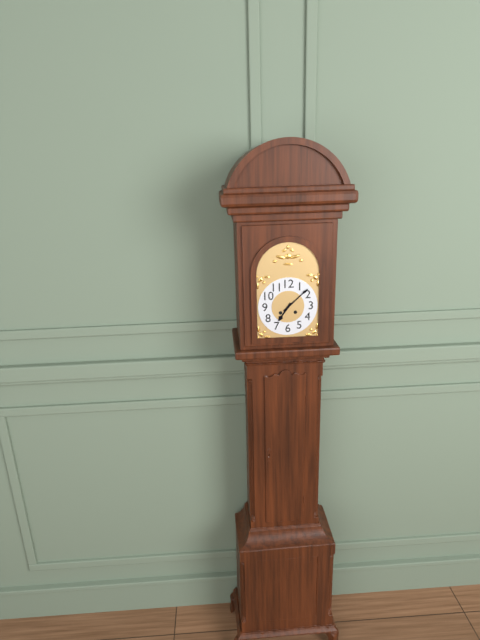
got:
7:08
